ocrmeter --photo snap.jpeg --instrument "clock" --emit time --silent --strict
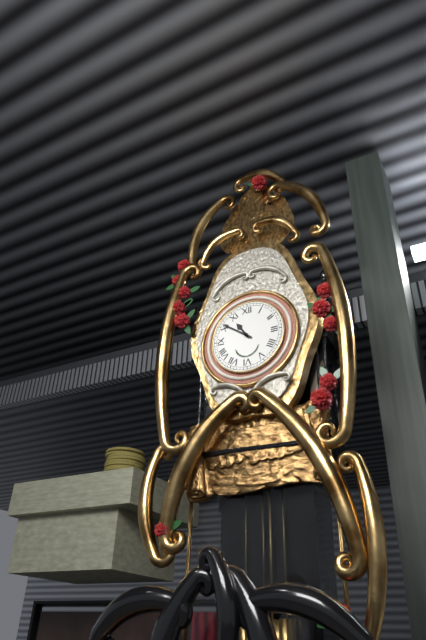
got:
10:51
